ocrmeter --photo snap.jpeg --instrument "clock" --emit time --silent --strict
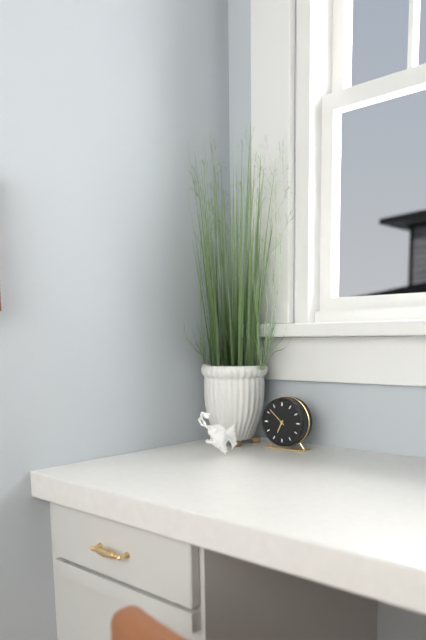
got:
6:52
